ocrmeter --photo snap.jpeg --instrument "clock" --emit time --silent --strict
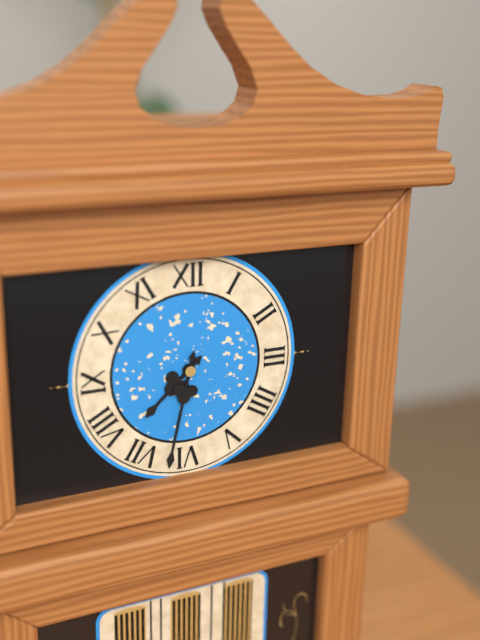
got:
7:32
